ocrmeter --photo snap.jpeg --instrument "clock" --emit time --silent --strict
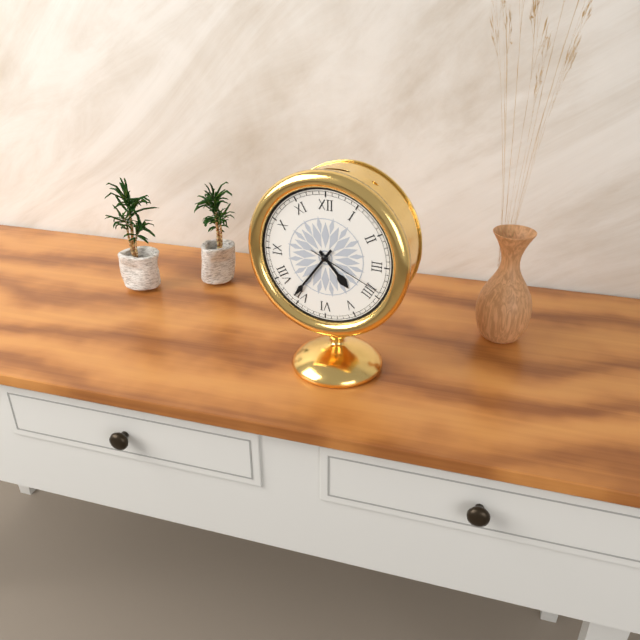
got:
4:36:19
